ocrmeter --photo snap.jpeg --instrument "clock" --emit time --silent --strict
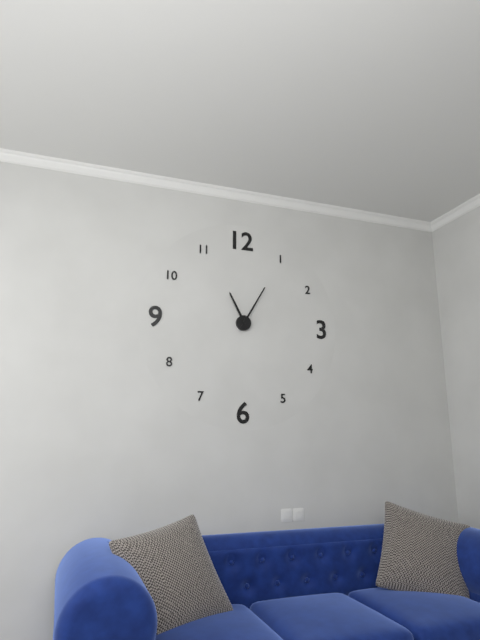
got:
11:05
